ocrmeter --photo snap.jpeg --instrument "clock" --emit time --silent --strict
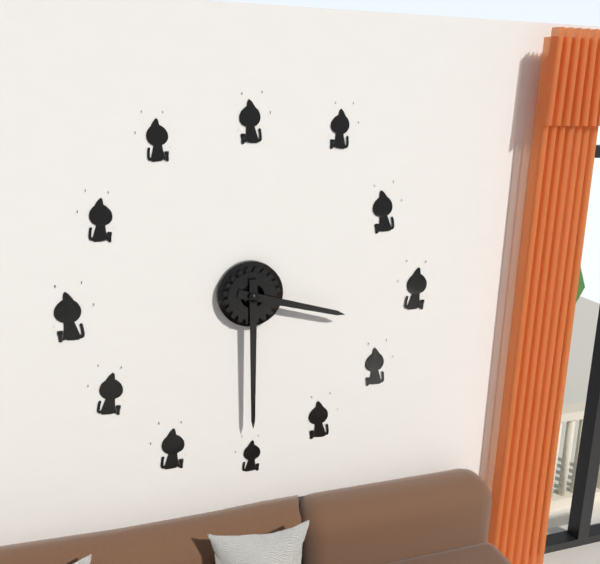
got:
3:30
